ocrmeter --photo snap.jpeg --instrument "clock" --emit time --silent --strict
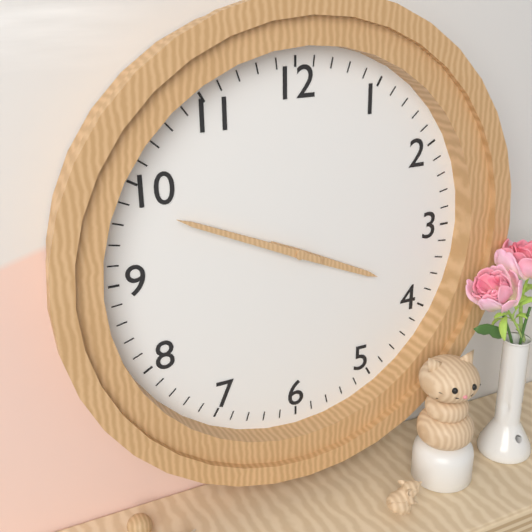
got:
3:49
